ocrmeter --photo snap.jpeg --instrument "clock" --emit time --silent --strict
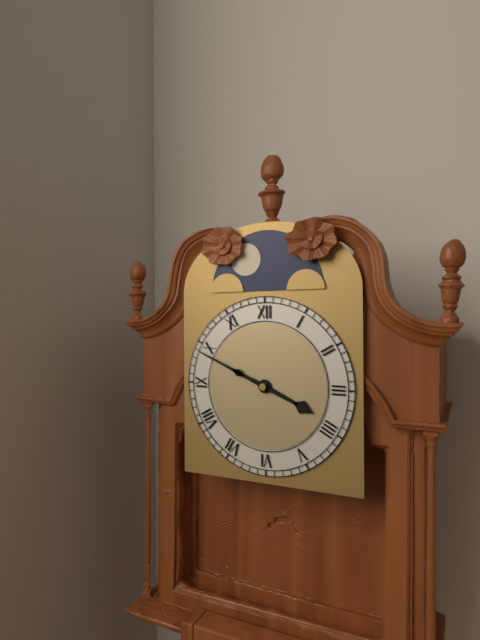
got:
3:49
